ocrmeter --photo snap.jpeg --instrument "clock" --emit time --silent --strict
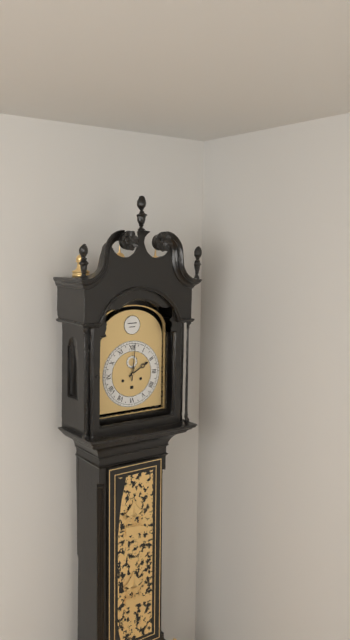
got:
2:01
